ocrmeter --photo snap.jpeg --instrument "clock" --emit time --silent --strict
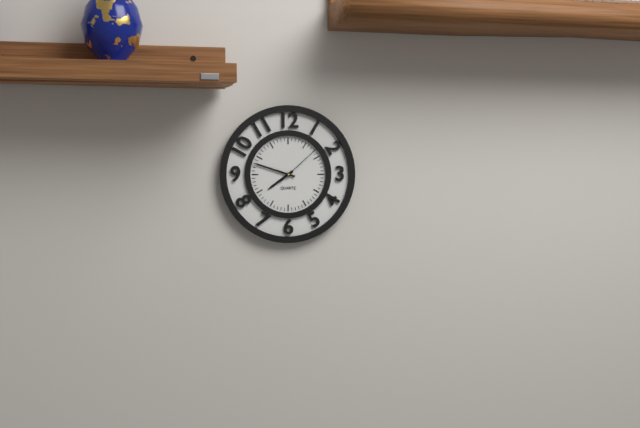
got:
7:48
